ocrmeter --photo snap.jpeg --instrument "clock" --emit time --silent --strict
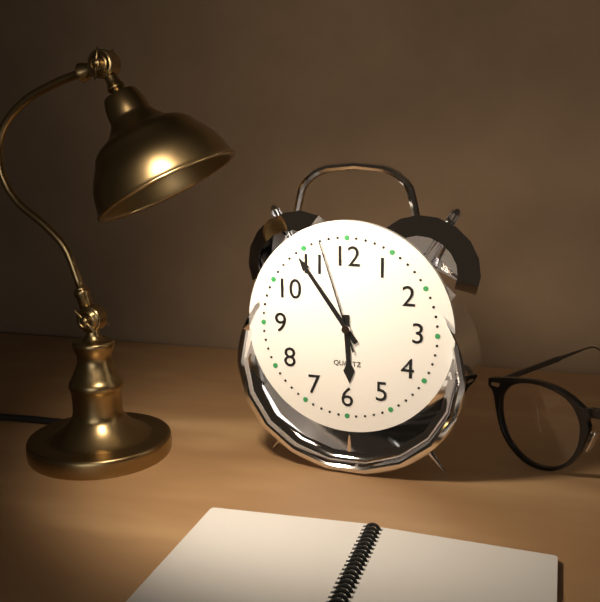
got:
5:54:57
